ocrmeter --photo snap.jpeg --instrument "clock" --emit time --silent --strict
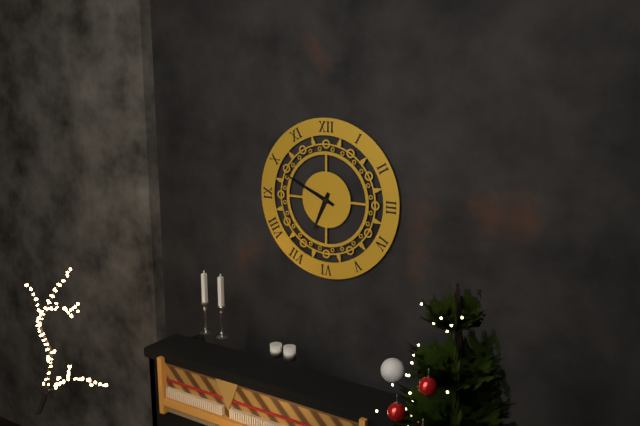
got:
6:49
